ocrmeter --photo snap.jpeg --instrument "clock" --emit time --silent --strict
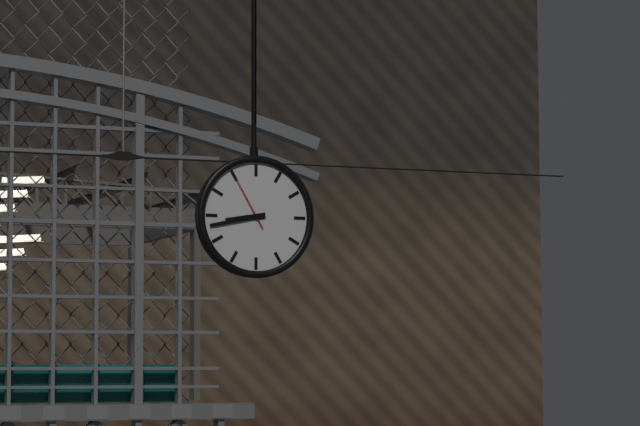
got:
8:43:55
